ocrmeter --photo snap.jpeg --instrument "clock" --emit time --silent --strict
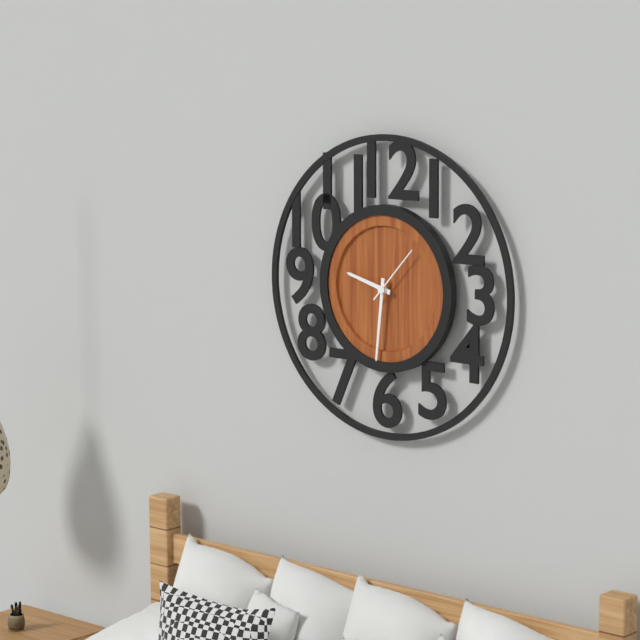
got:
9:31:07
